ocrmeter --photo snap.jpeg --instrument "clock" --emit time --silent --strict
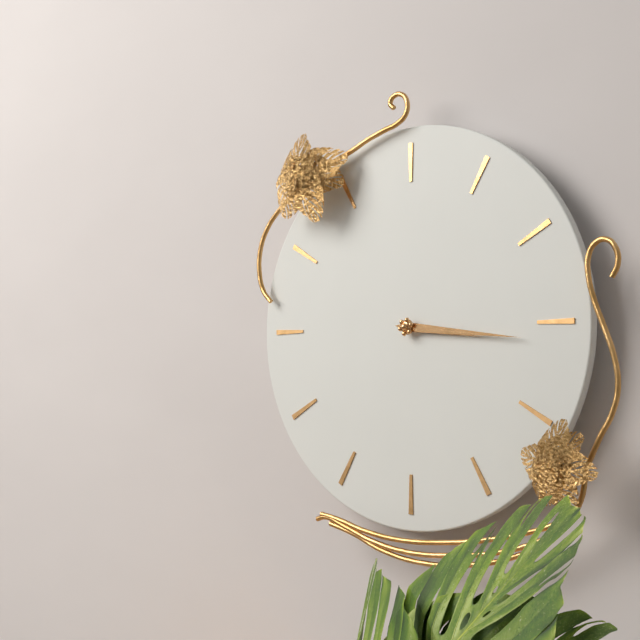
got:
3:16
